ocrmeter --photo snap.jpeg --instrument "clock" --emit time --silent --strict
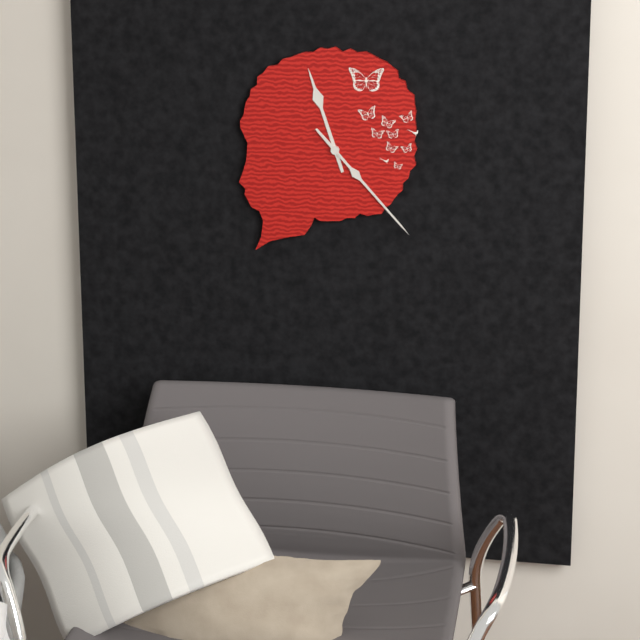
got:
11:23
